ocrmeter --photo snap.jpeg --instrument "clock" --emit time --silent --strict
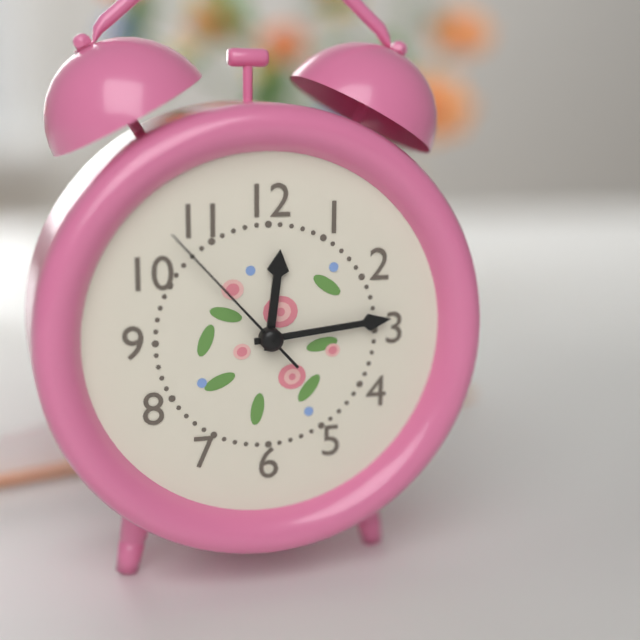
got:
12:14:53
